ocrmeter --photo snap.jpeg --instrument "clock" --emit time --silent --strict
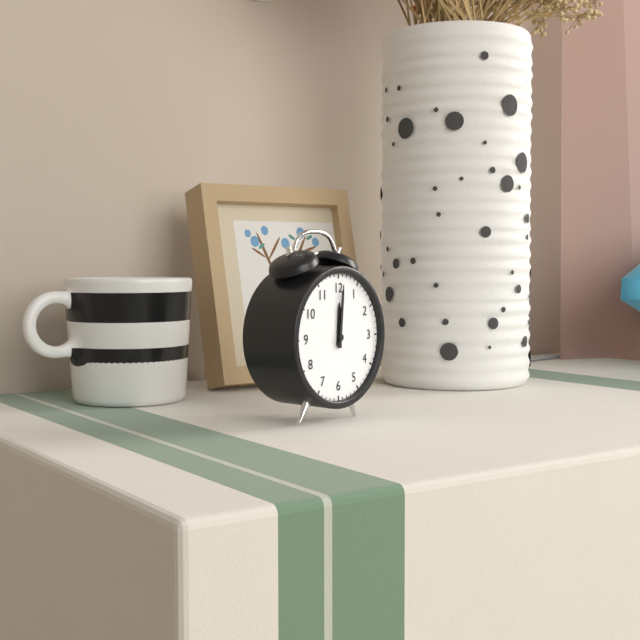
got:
12:01
